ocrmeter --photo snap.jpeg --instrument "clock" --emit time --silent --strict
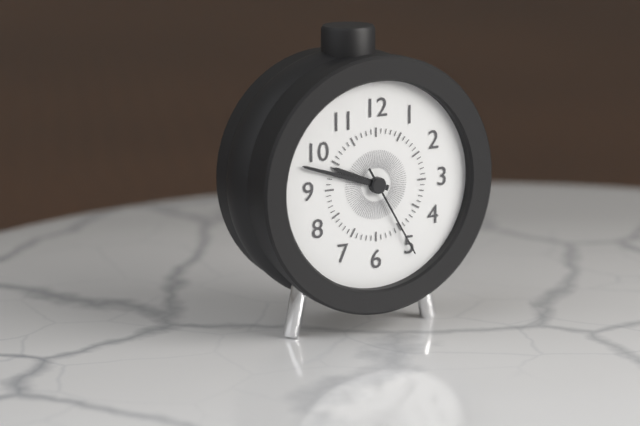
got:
9:48:25
